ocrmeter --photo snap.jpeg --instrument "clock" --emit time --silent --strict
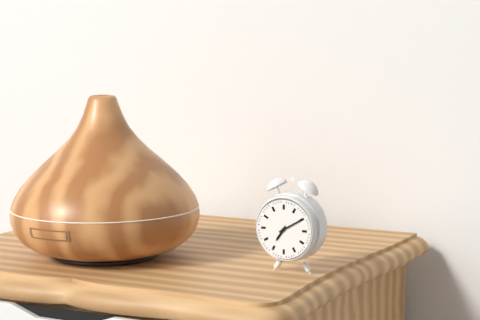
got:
7:10
